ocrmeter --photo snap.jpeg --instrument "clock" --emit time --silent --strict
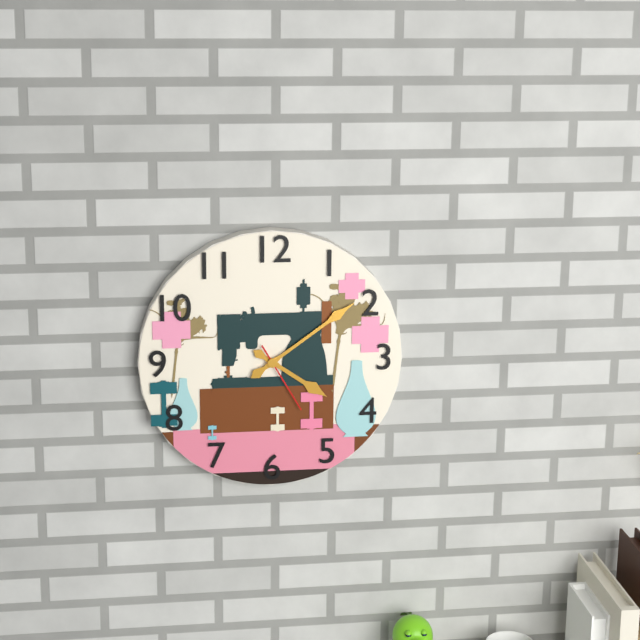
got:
4:09:25
